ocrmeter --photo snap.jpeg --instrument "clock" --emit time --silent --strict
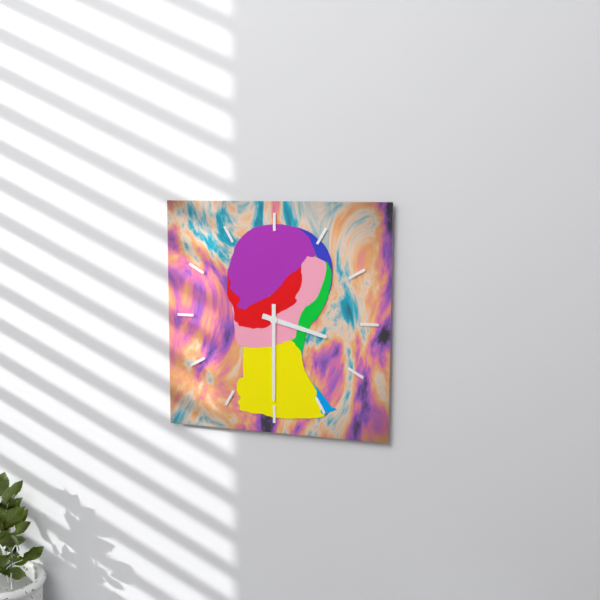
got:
3:30
